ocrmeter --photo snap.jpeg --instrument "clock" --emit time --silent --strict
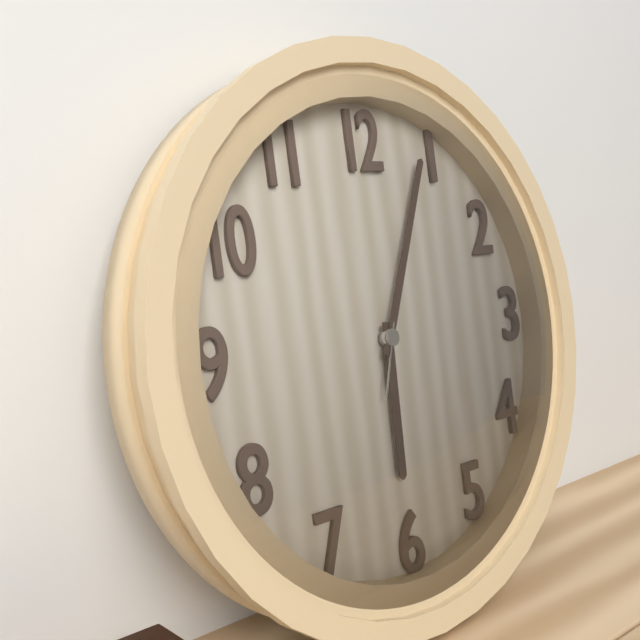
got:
6:04:33
